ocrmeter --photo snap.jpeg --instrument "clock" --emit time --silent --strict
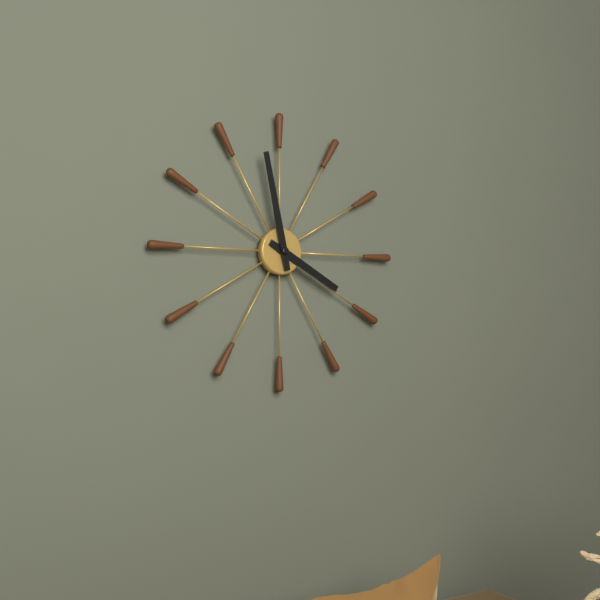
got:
3:58
